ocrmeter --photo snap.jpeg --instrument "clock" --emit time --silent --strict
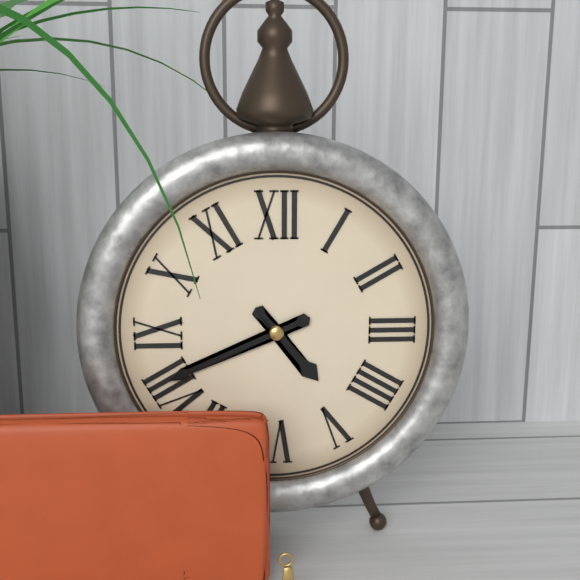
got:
4:41
